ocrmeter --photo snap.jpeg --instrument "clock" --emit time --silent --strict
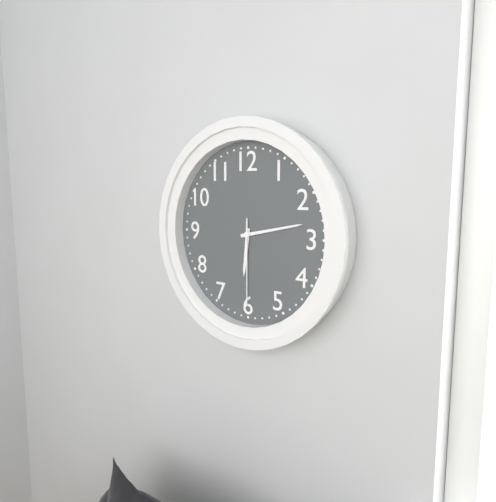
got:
6:13:30
